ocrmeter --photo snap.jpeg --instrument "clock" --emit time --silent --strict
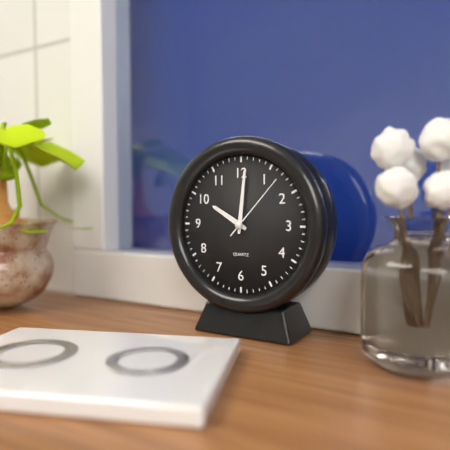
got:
10:01:07
